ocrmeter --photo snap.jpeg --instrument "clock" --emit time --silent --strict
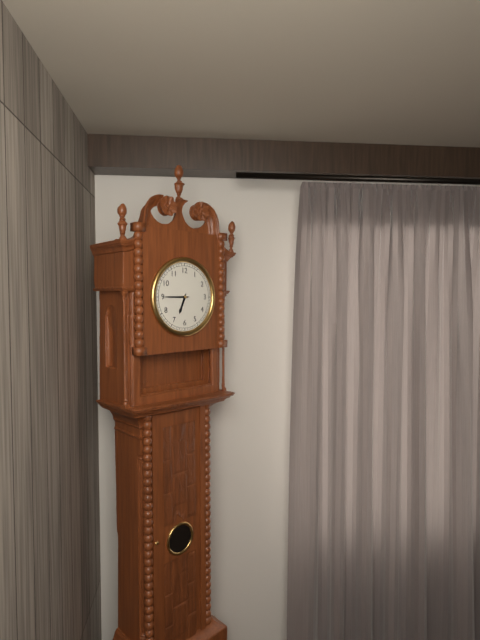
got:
6:45
